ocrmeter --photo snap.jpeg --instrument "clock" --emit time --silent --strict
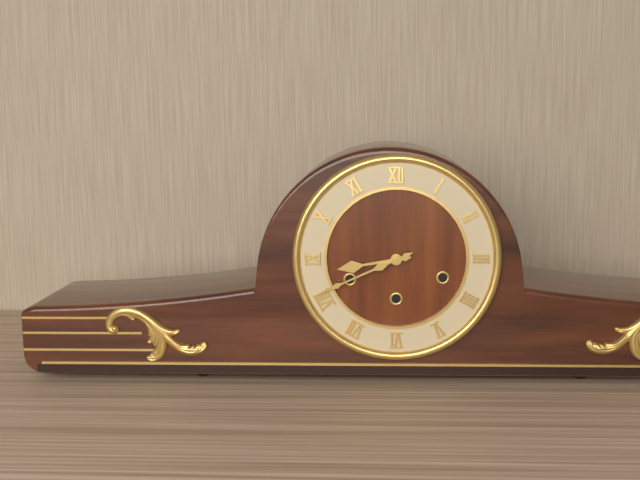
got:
8:41
